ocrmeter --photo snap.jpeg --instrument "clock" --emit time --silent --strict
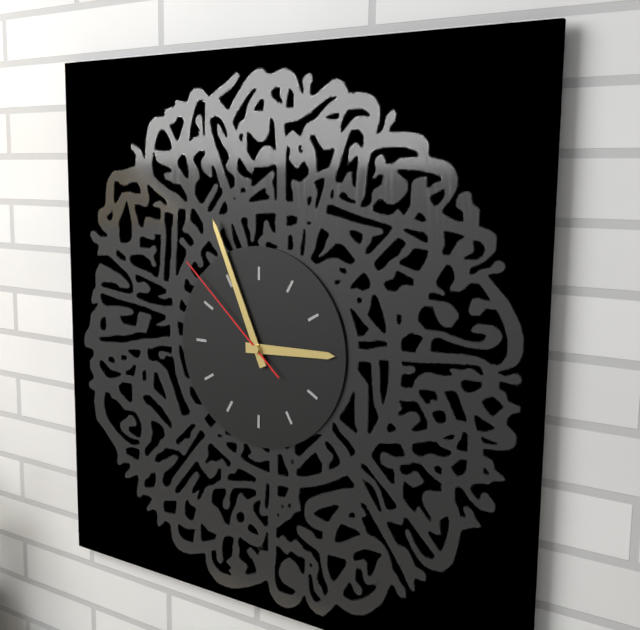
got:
2:56:52
